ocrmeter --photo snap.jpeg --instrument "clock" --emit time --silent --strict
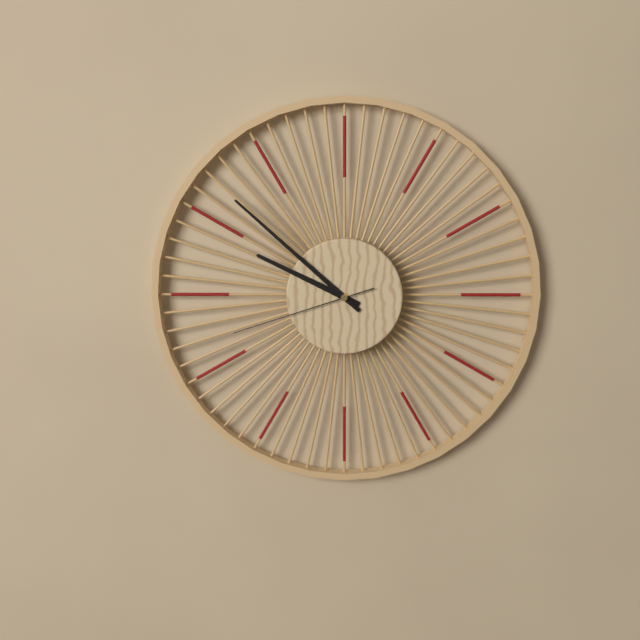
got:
9:52:42
